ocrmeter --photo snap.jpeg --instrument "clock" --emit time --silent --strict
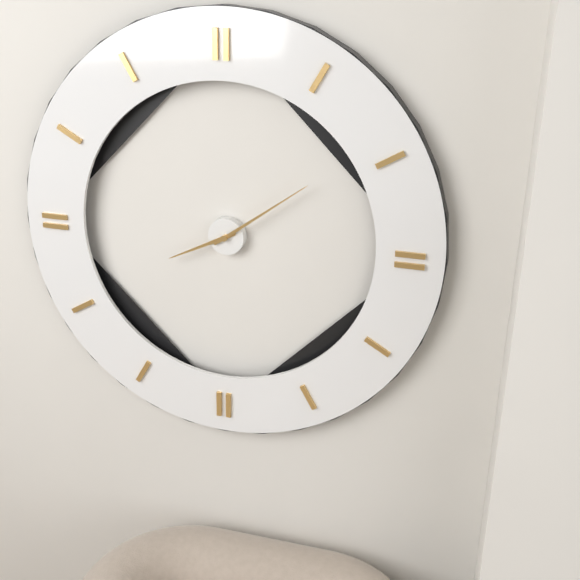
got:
8:09
